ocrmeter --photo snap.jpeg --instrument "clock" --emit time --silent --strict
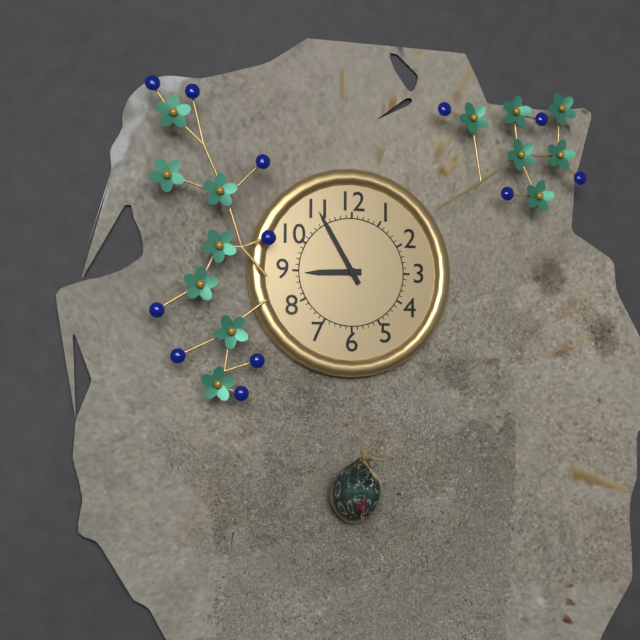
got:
8:55
